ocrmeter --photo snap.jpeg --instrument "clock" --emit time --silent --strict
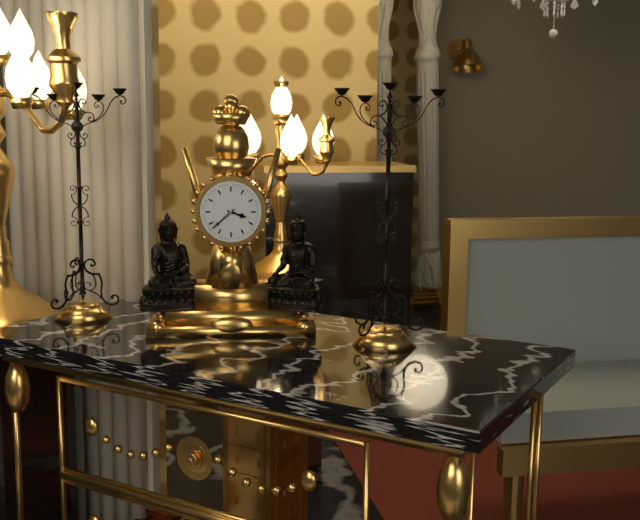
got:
3:38
